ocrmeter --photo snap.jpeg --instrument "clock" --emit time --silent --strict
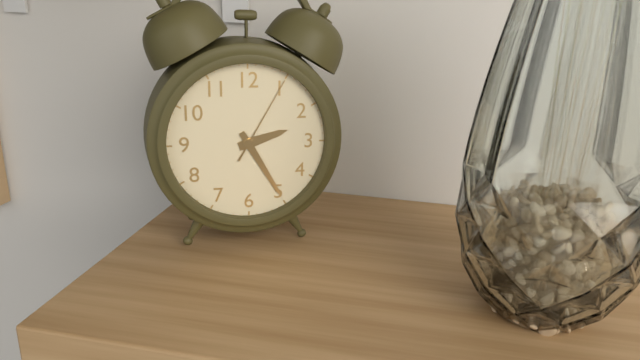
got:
2:25:05
